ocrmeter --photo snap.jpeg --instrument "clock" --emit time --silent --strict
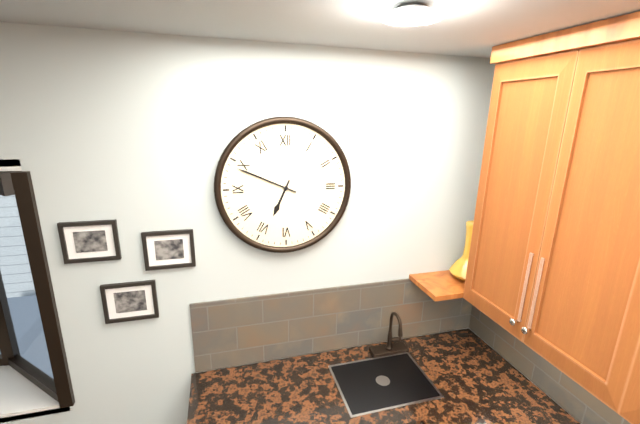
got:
6:49
